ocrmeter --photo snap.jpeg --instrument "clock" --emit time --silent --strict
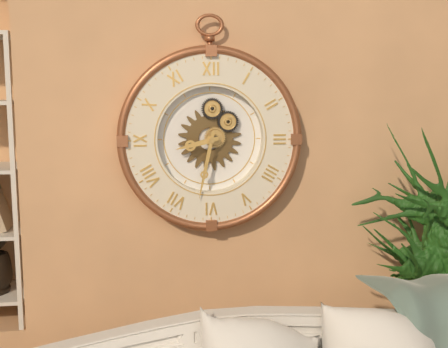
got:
8:32
